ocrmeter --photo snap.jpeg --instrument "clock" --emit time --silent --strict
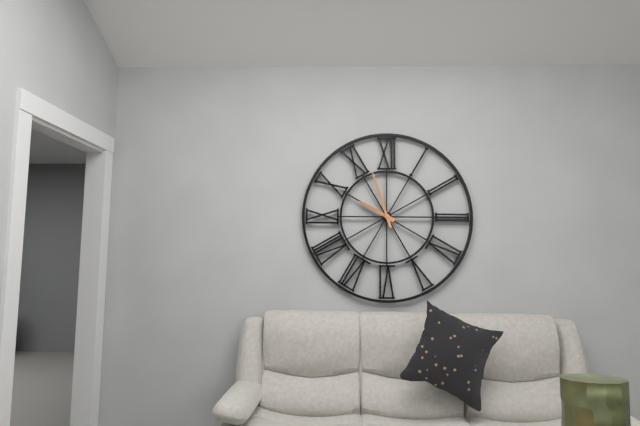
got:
9:57
